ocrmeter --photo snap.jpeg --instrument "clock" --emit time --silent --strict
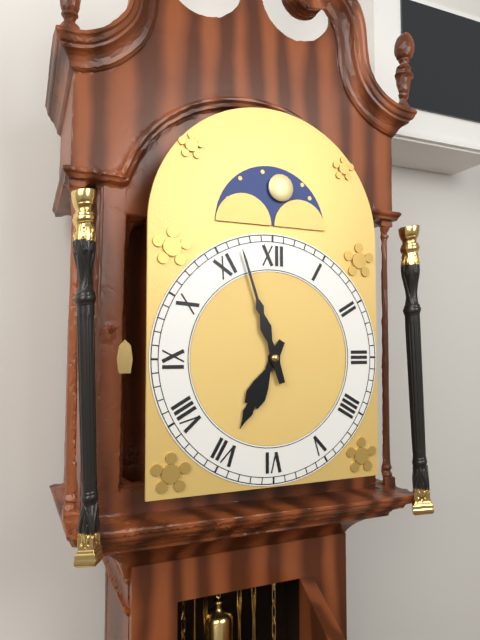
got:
6:57
